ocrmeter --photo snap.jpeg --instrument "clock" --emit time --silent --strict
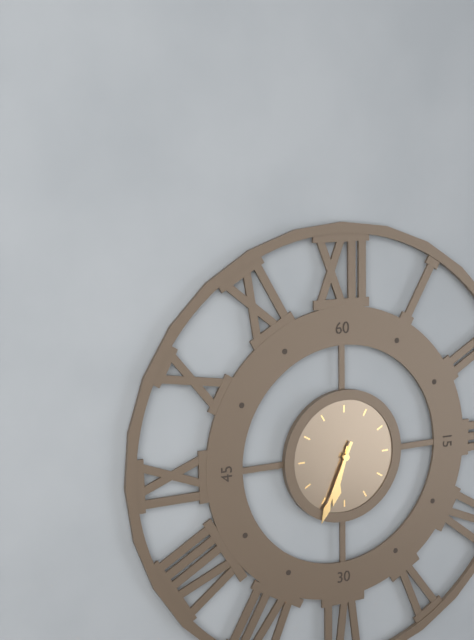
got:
6:34
